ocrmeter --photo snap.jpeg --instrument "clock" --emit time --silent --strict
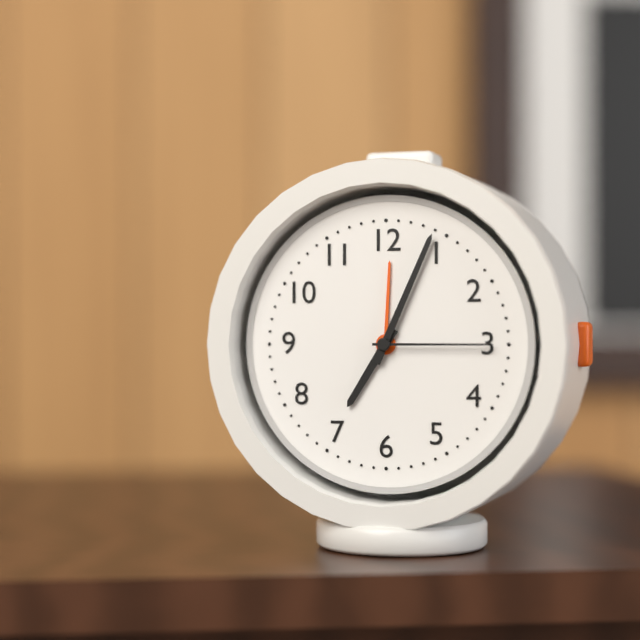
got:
7:04:15
